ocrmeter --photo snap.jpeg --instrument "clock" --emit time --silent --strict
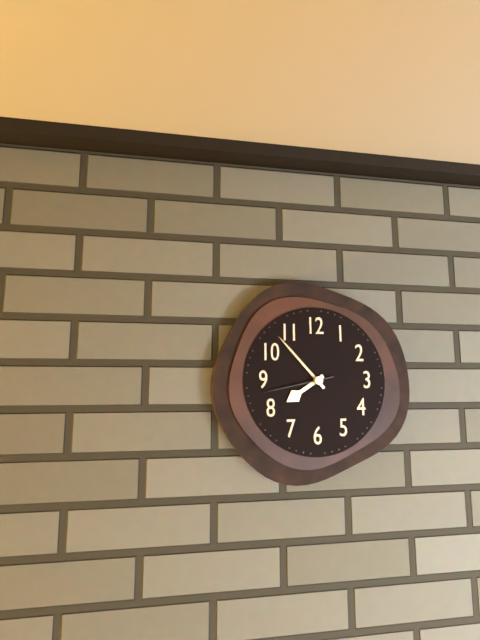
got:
7:53:43
